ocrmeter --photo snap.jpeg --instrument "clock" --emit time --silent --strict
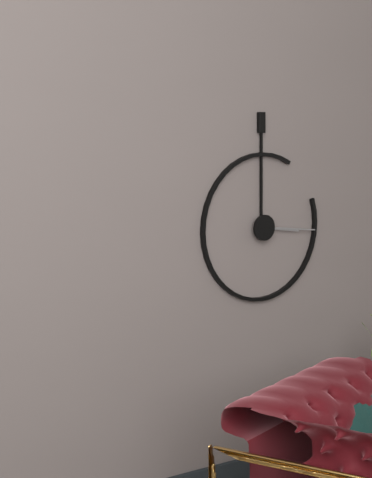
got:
3:16
